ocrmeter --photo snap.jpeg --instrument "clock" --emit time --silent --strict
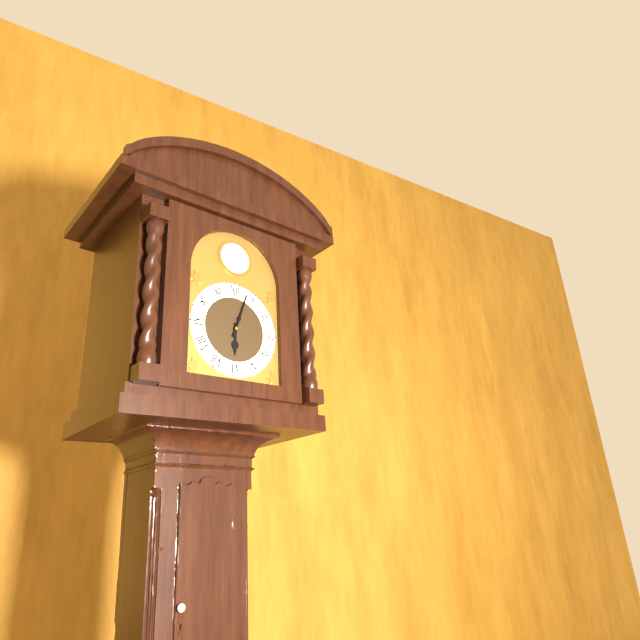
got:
6:03
